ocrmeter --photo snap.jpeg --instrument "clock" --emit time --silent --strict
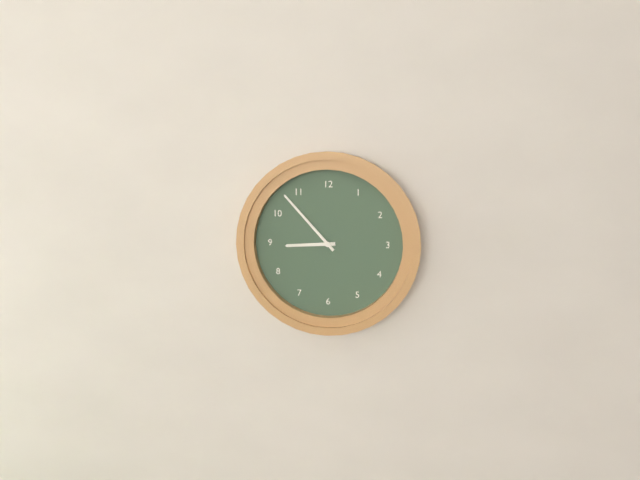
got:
8:53
